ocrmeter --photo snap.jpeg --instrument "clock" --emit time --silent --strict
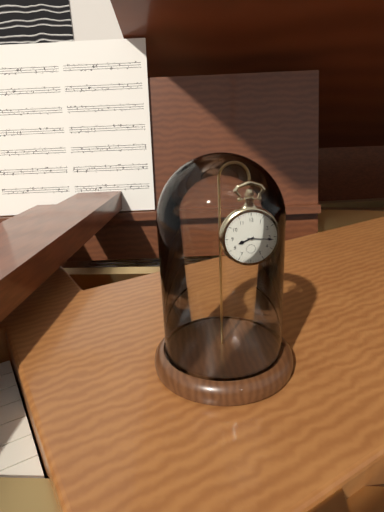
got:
8:16
